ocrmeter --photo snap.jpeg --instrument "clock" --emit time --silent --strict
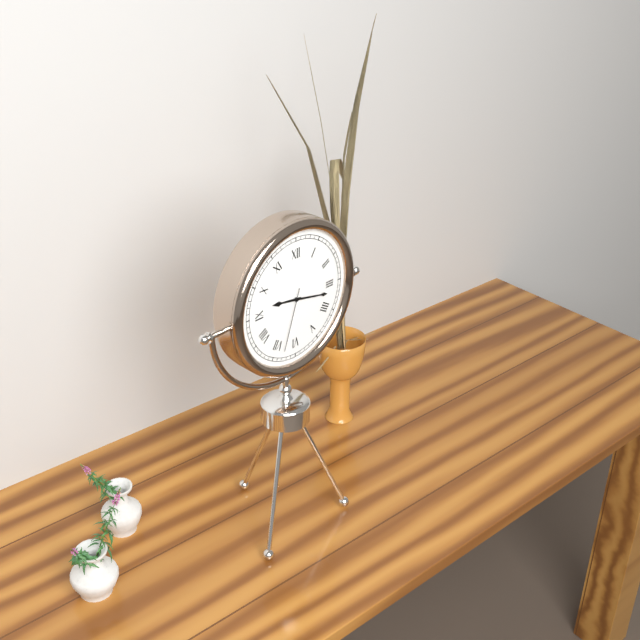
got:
9:17:33
